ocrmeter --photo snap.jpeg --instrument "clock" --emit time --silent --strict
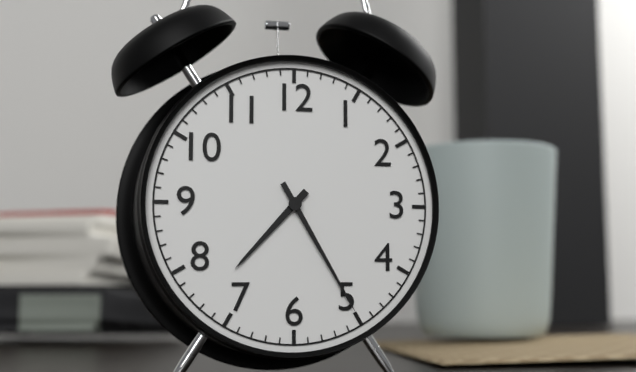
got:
7:25
